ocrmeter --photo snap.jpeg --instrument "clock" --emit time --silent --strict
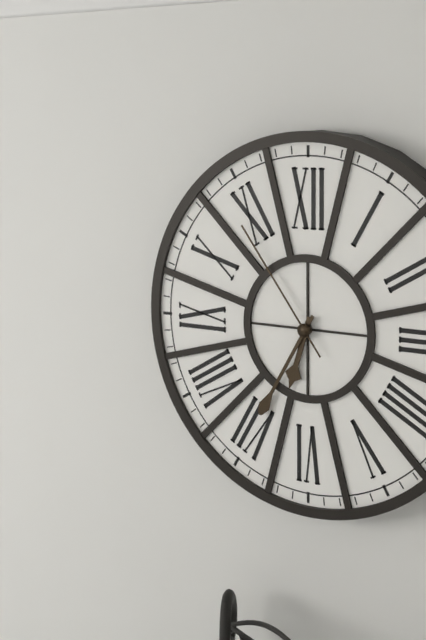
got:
6:35:54
